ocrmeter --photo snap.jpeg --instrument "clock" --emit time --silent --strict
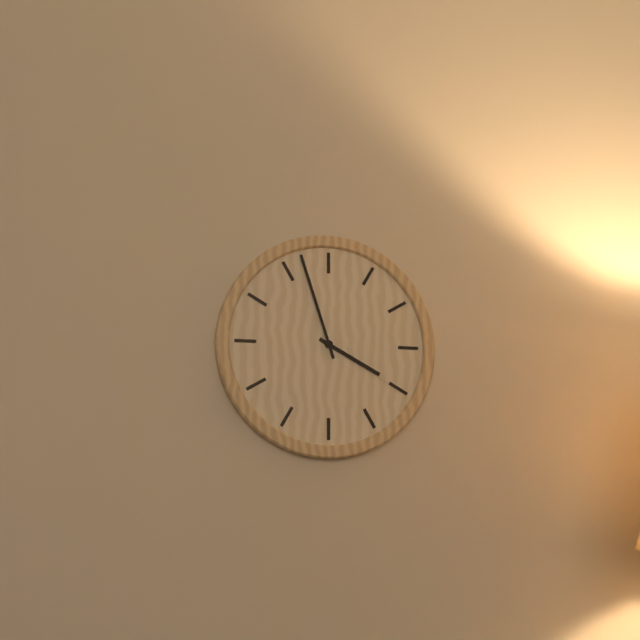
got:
3:57
